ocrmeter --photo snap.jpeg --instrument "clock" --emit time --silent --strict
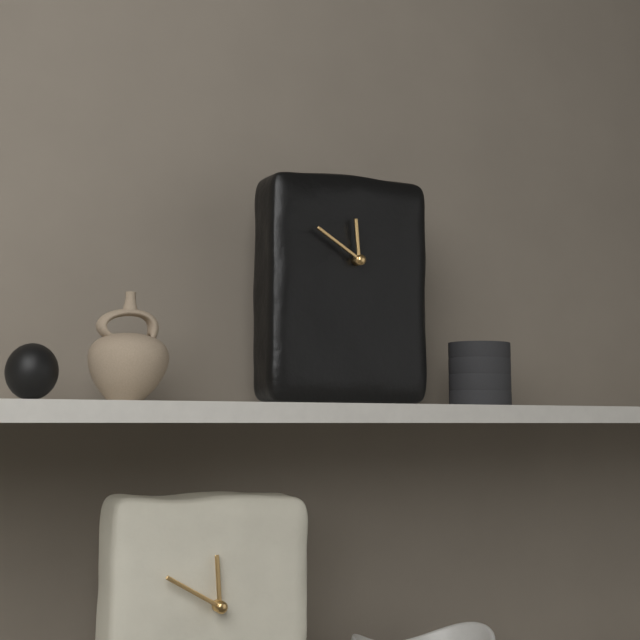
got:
11:50
